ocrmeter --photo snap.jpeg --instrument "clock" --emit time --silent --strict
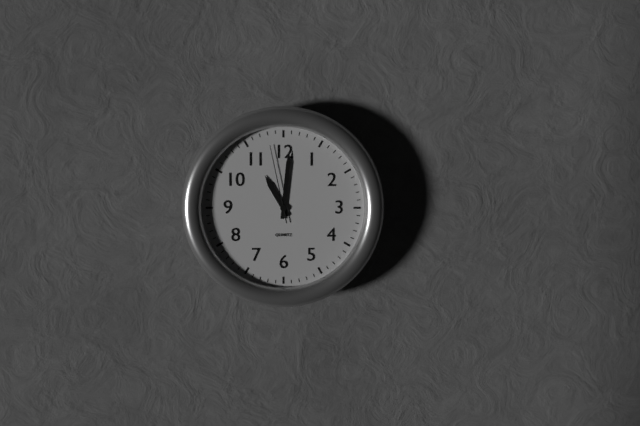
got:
11:01:58
